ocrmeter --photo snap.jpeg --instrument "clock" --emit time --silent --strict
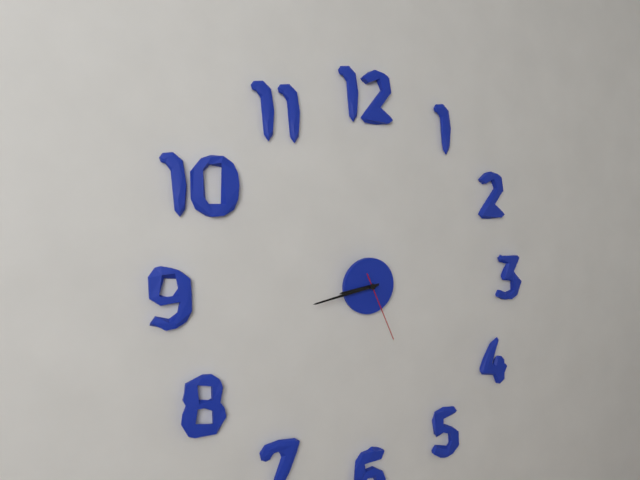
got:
8:43:26
